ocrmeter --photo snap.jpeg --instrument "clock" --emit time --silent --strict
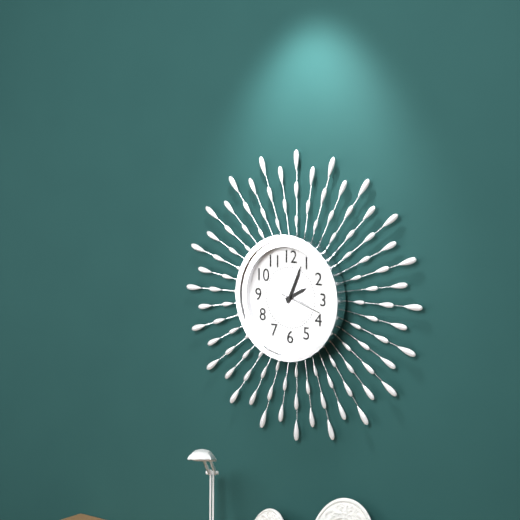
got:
2:04
